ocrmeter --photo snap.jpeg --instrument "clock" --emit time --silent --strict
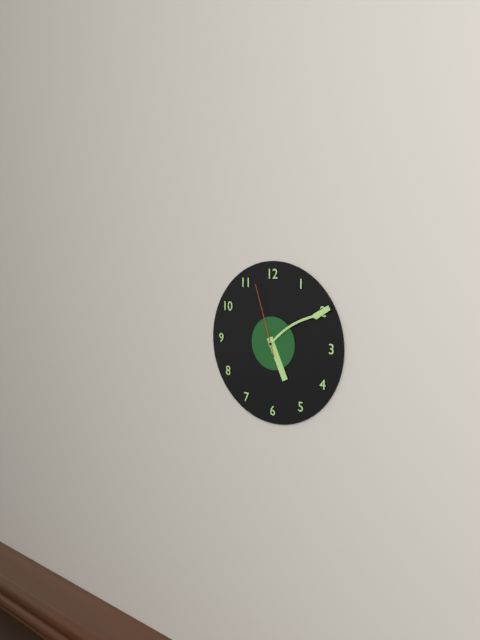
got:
5:10:57
